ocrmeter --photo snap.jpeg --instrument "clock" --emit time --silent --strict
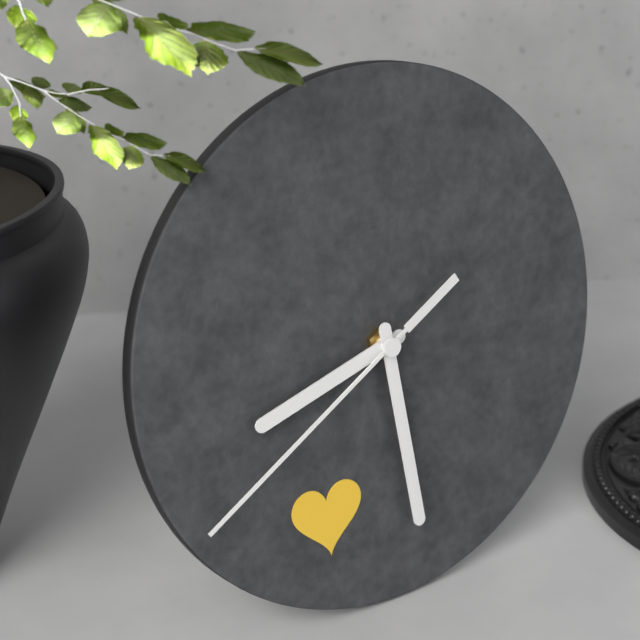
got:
8:29:40
